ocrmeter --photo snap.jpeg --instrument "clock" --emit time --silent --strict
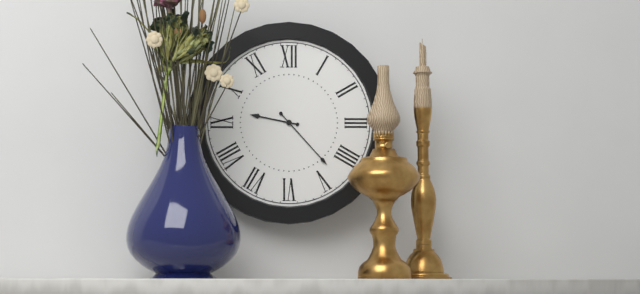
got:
9:23
